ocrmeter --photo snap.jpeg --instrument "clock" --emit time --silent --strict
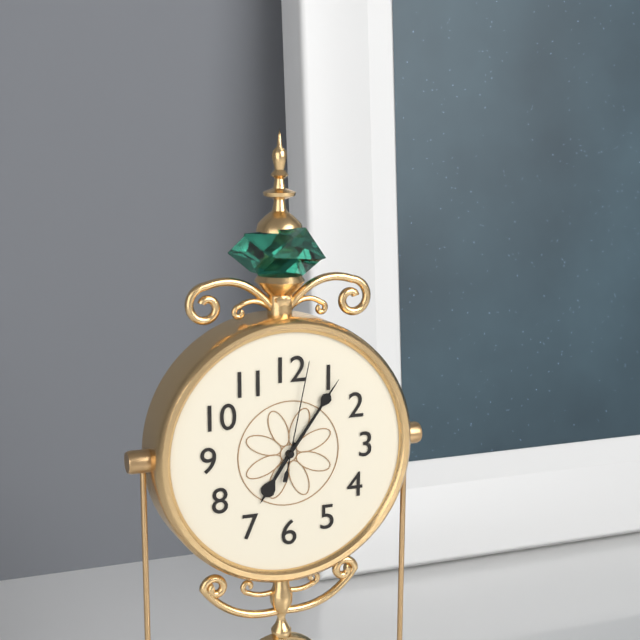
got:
7:06:02
